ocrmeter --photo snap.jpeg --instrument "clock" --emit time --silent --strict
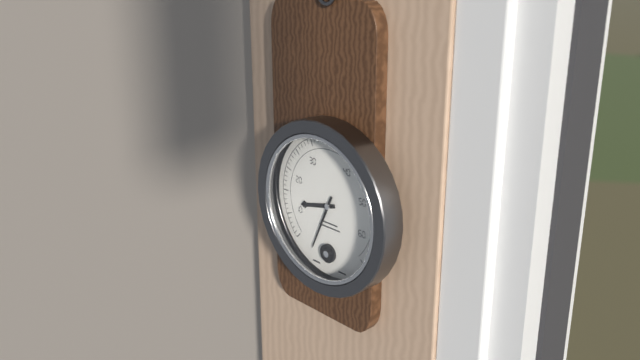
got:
8:34
